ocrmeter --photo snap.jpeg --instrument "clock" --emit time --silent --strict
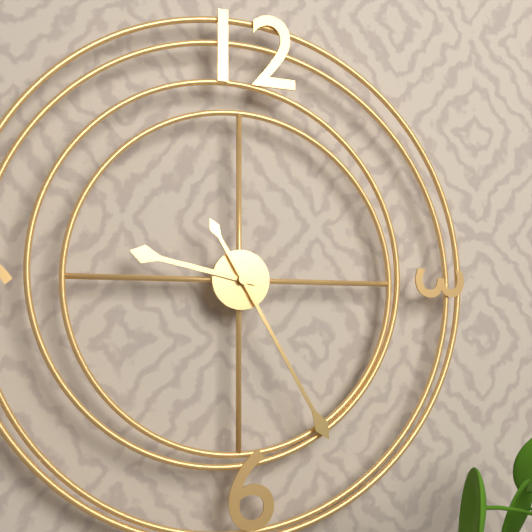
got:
9:25
